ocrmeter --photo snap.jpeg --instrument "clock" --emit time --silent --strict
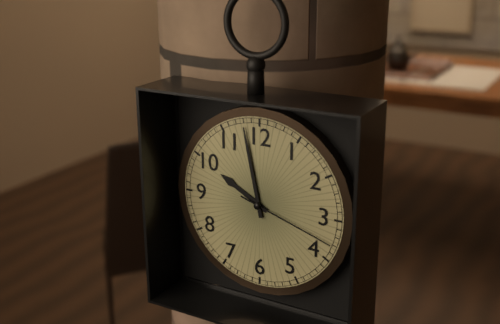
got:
9:58:18
